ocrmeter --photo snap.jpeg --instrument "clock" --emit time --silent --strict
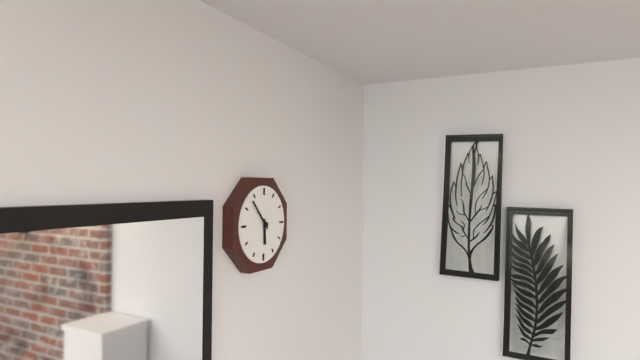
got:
5:53
